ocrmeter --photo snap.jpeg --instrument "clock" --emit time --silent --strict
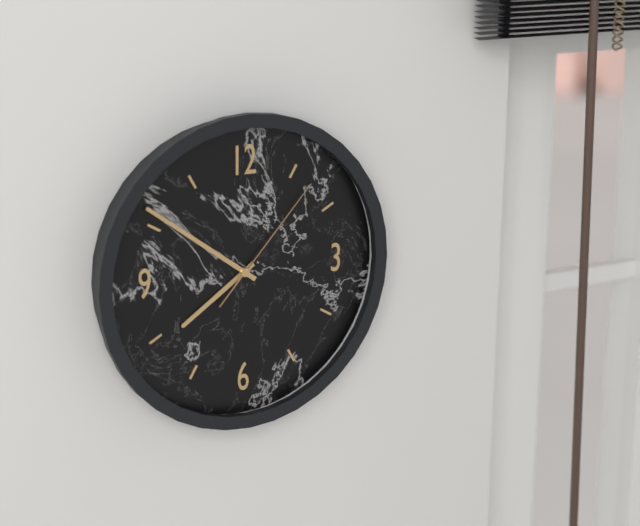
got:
7:51:07
